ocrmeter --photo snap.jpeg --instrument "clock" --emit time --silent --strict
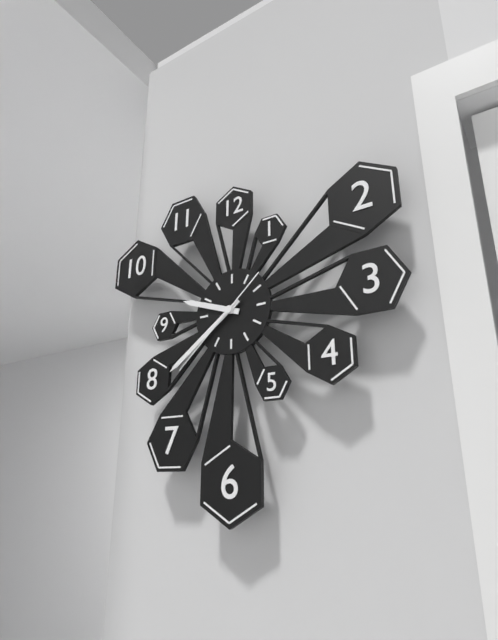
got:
9:39:38
